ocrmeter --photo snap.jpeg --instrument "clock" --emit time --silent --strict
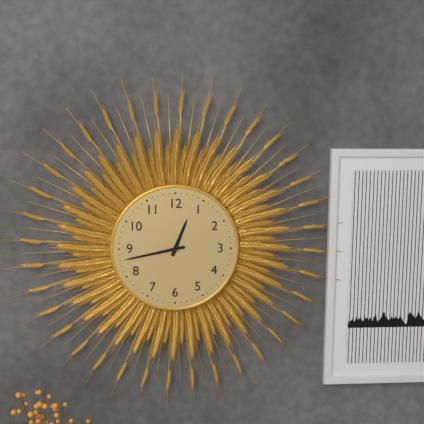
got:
12:43
